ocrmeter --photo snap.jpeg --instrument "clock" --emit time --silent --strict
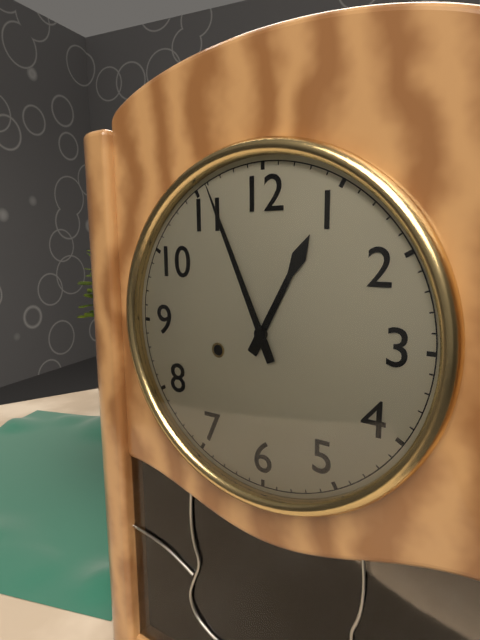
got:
12:56
